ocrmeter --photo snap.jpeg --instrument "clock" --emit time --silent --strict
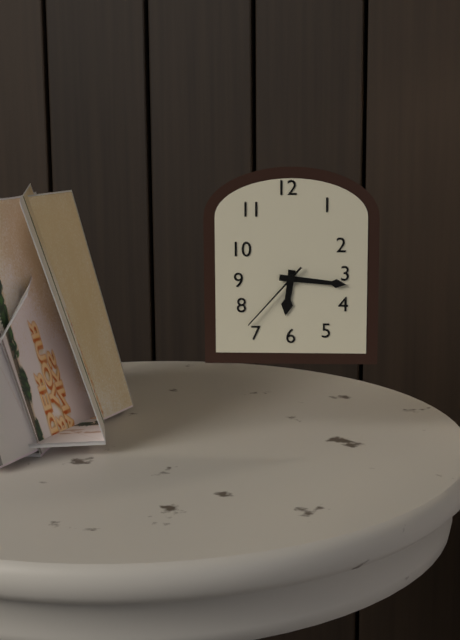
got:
6:16:37
